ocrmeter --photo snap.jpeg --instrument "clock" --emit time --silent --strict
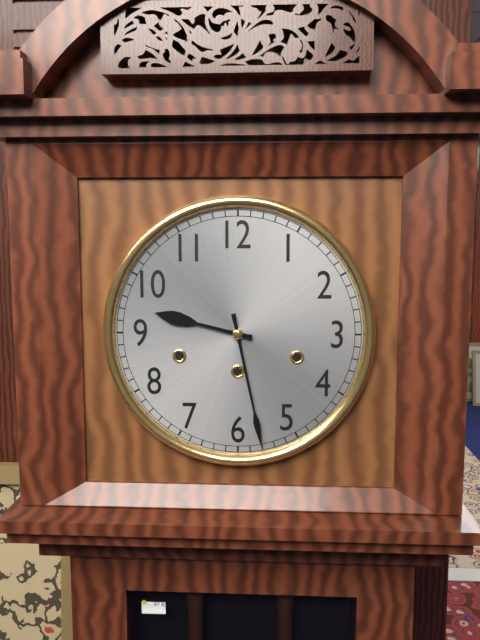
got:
9:28
